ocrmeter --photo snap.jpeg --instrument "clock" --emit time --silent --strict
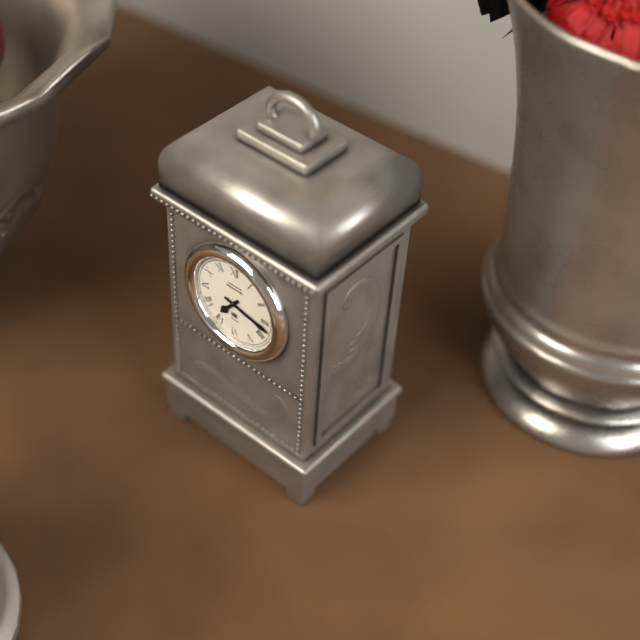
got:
7:17
